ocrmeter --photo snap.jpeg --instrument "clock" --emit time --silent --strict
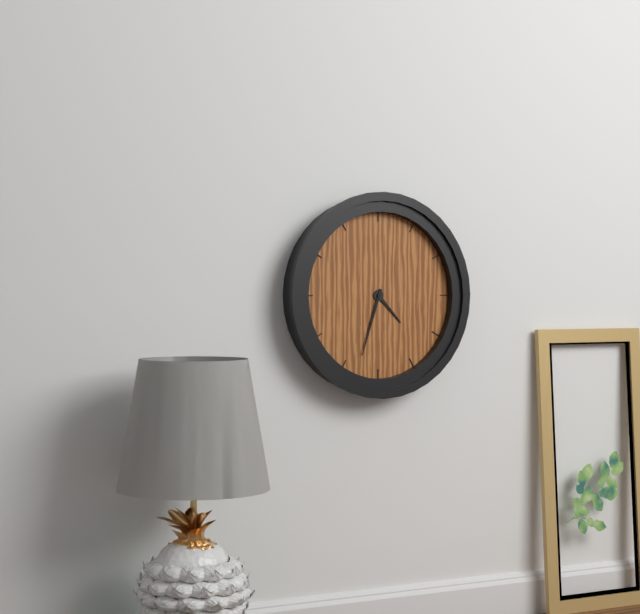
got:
4:33
